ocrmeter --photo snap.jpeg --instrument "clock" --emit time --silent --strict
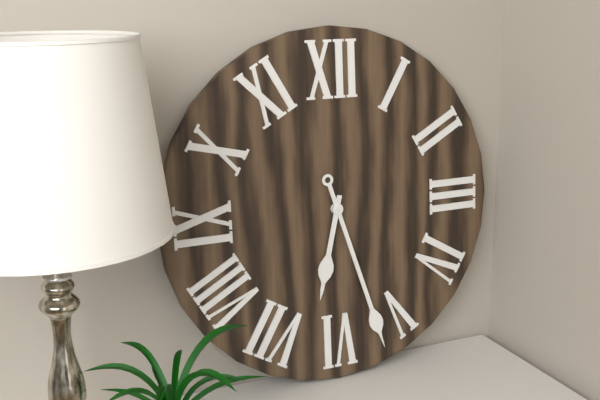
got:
6:27
